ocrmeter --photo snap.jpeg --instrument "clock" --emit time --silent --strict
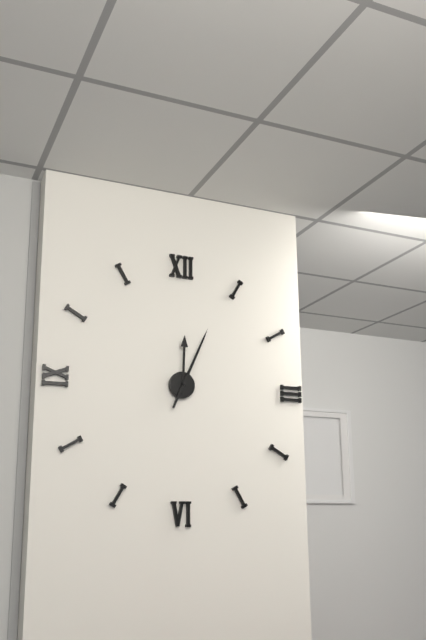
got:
12:04
